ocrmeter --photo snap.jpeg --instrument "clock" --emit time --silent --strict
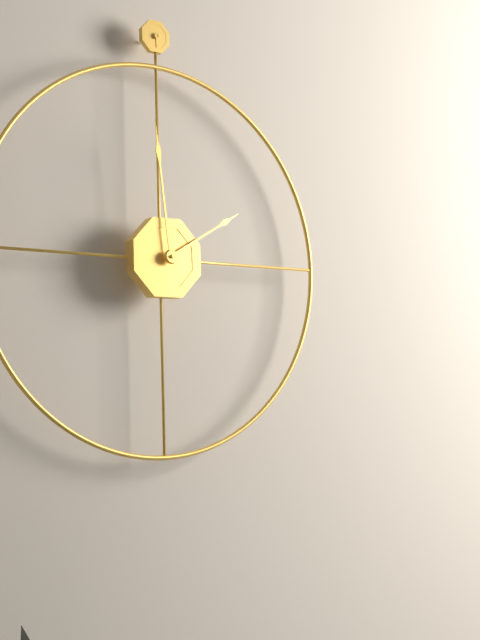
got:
1:59
